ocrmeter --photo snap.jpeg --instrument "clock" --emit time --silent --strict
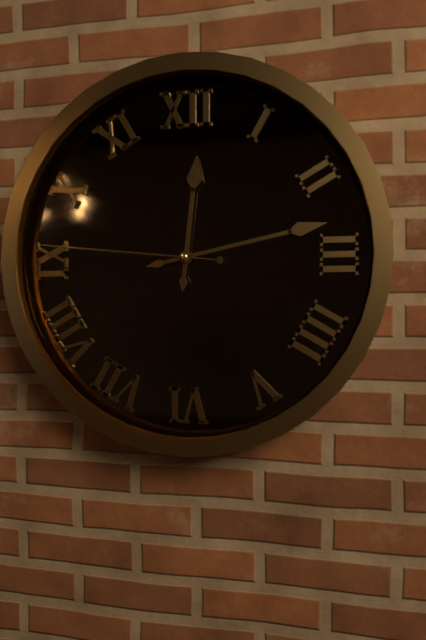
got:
12:13:46
